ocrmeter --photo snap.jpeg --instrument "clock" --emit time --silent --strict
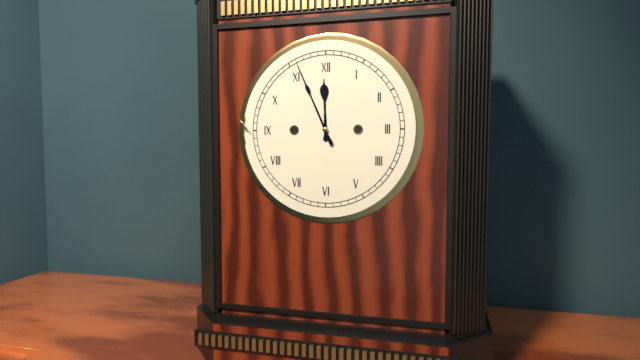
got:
11:56
